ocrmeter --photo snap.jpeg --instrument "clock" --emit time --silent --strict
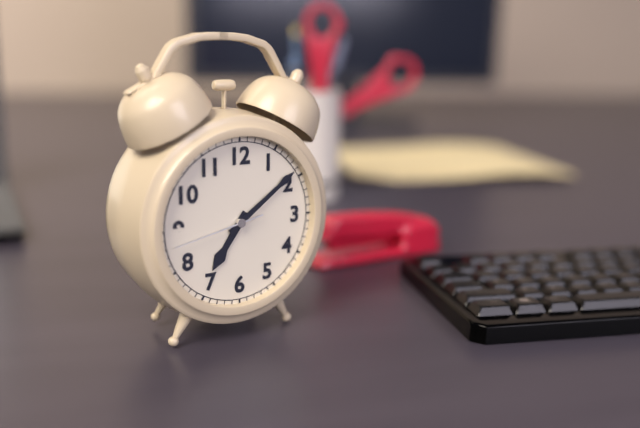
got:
7:09:43
